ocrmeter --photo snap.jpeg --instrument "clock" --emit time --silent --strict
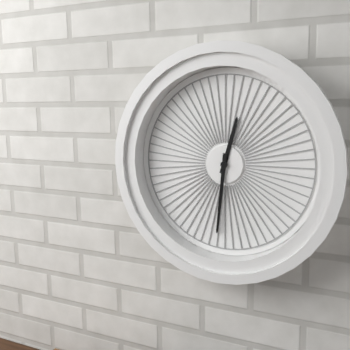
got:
12:31
